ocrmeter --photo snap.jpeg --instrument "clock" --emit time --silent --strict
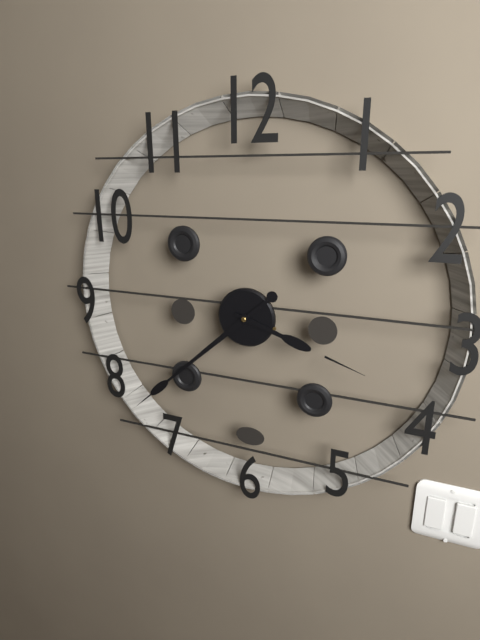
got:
3:38
